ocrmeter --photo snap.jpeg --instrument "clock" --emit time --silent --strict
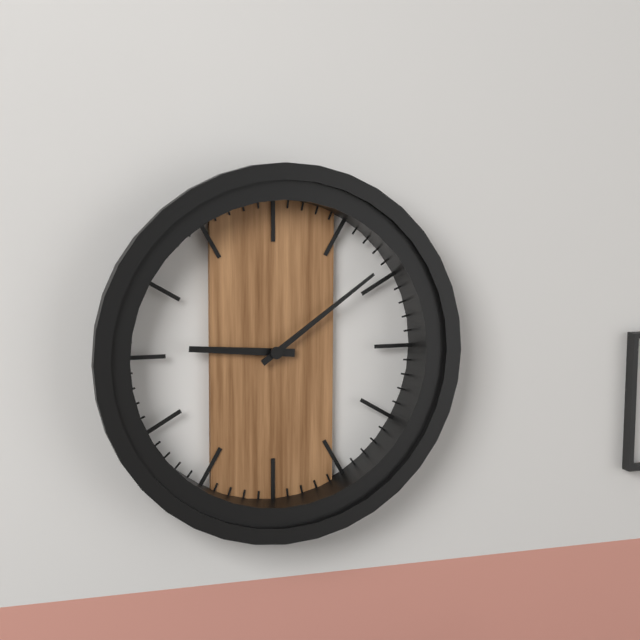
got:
9:09
